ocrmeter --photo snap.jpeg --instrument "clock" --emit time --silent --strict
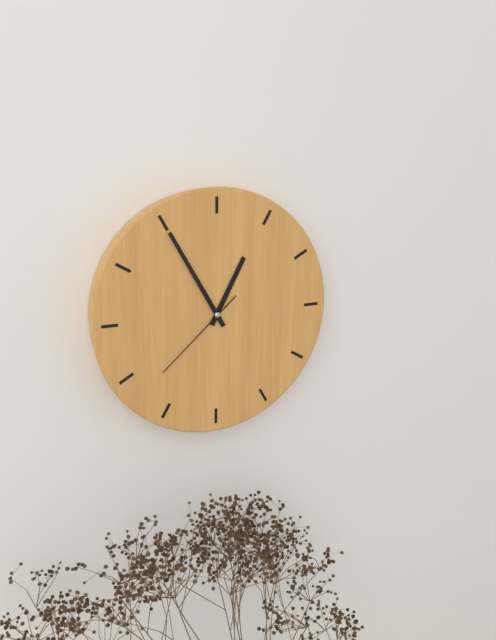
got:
12:55:38
